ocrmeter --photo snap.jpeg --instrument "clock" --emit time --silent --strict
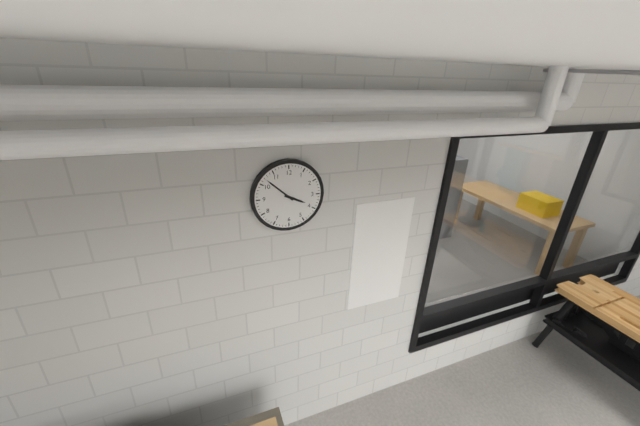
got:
3:52
